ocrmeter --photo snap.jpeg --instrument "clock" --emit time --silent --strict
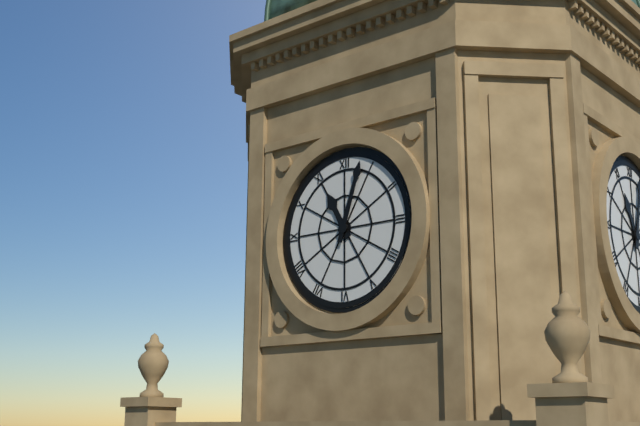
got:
11:03
